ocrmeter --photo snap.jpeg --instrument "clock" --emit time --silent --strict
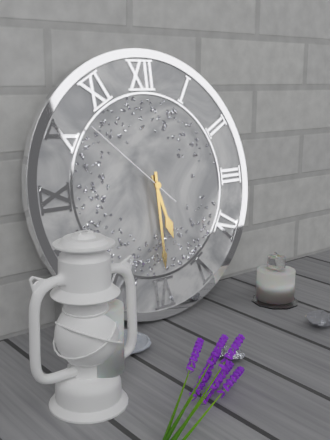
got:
5:30:52
